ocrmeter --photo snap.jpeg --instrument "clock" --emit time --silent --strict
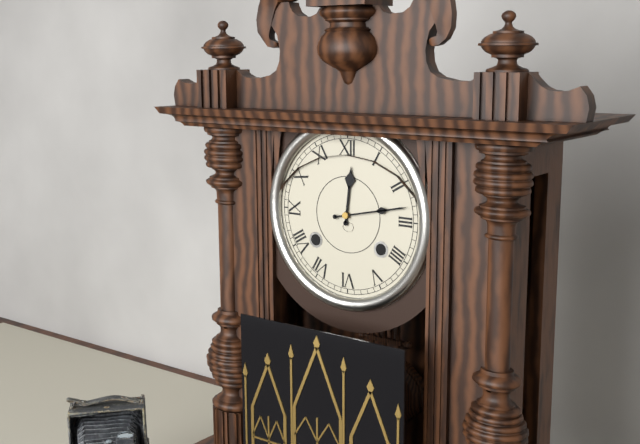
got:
12:13
